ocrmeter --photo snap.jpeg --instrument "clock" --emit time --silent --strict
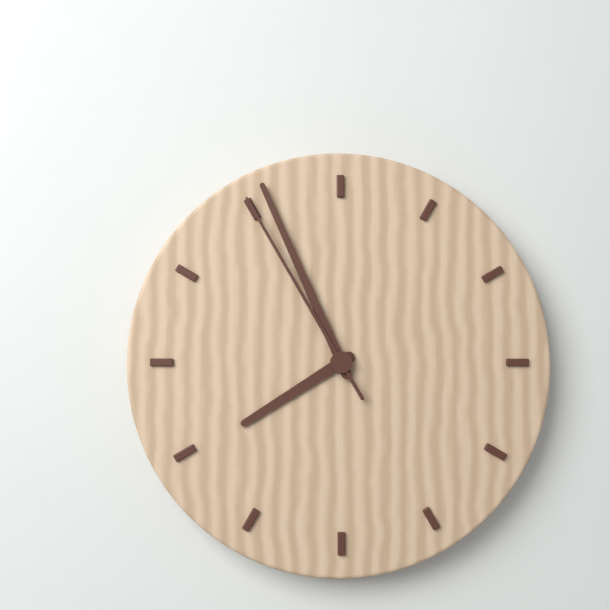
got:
7:56:55
